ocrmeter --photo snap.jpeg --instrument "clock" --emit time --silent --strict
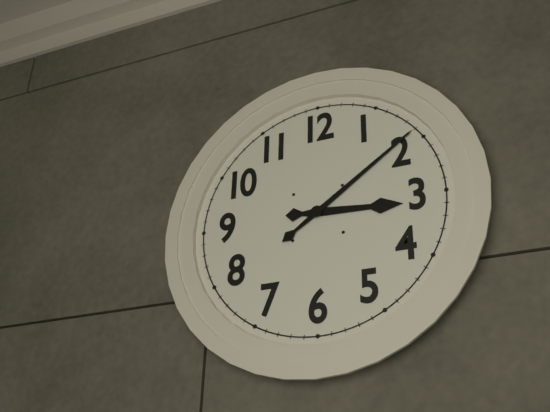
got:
3:09
